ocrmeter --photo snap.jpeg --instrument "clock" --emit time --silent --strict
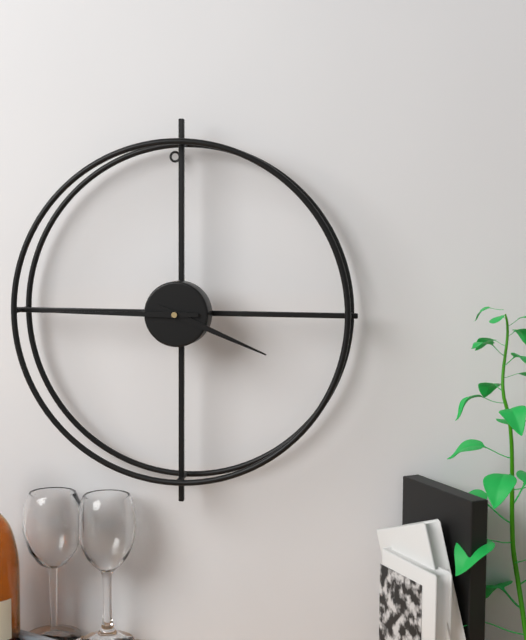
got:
3:45
